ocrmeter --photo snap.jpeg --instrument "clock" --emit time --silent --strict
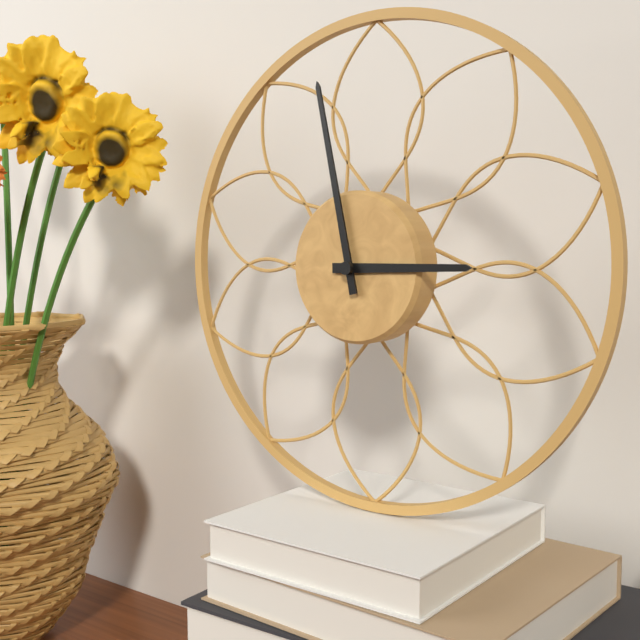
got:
2:58
